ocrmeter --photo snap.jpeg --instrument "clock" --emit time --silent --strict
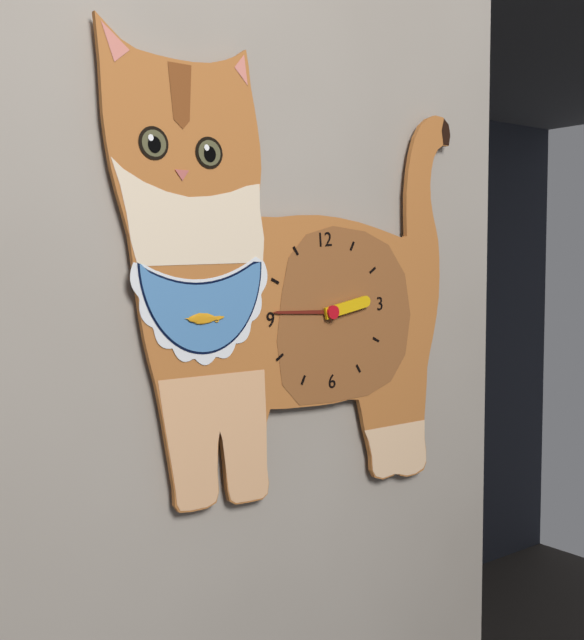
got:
2:46
